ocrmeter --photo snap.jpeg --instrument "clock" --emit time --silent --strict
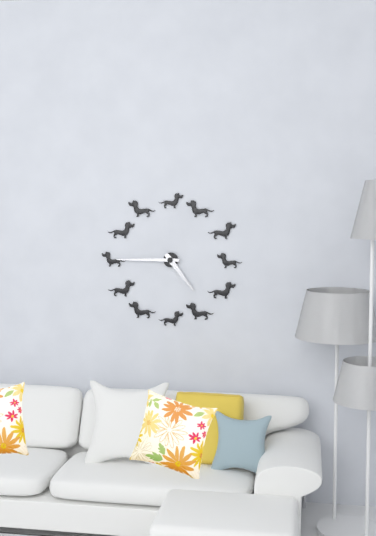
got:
4:45
